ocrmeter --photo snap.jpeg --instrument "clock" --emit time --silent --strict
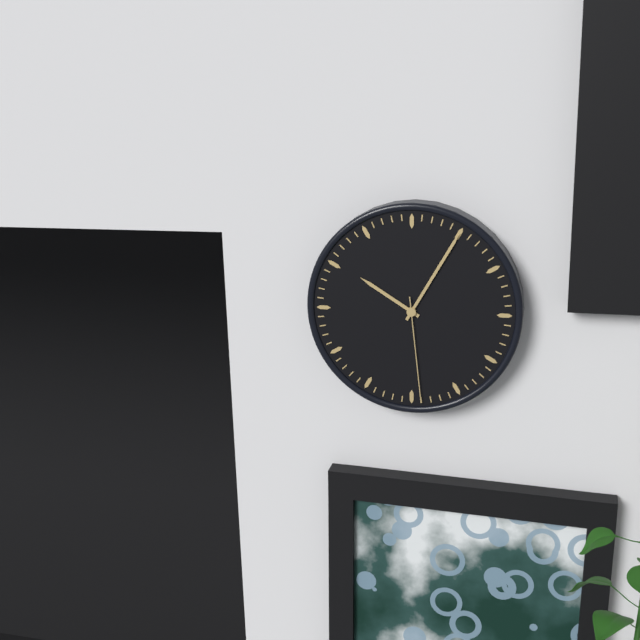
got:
10:05:29
